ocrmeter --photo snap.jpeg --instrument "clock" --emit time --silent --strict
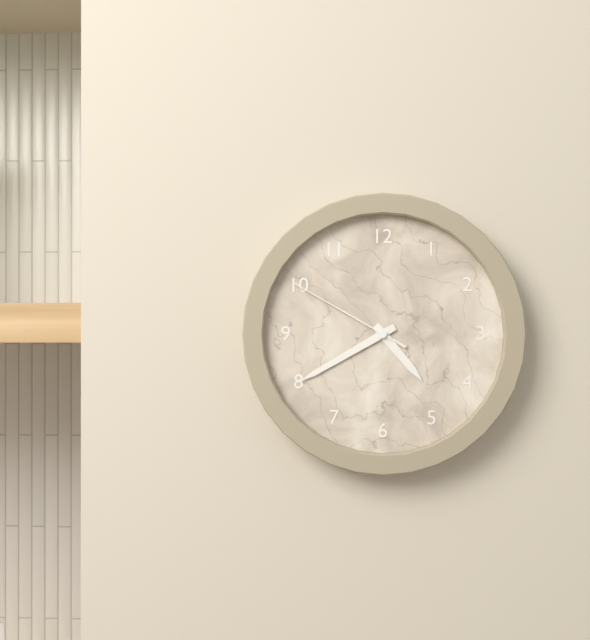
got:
4:40:50
